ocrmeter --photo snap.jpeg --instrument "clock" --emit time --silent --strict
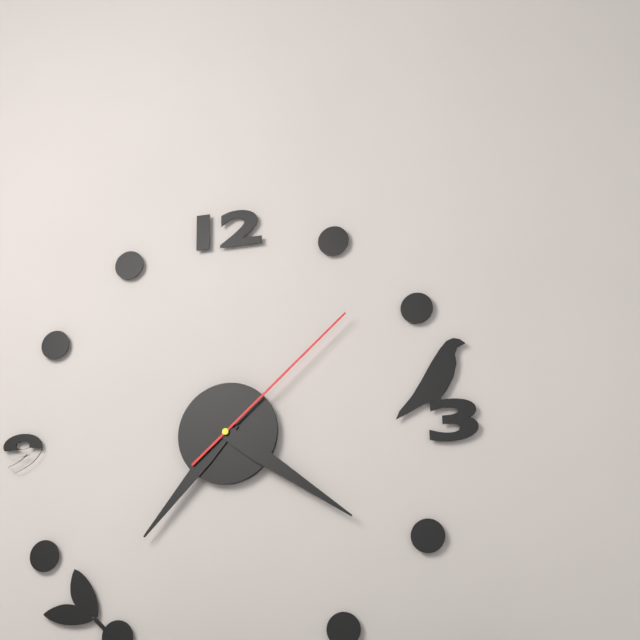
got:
7:21:08
